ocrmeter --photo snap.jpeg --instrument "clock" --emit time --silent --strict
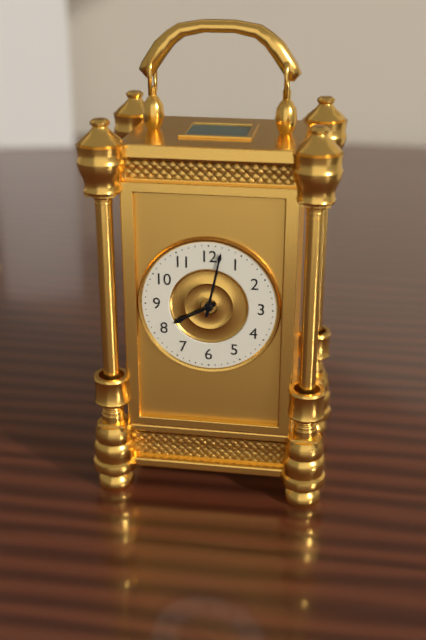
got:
8:02
